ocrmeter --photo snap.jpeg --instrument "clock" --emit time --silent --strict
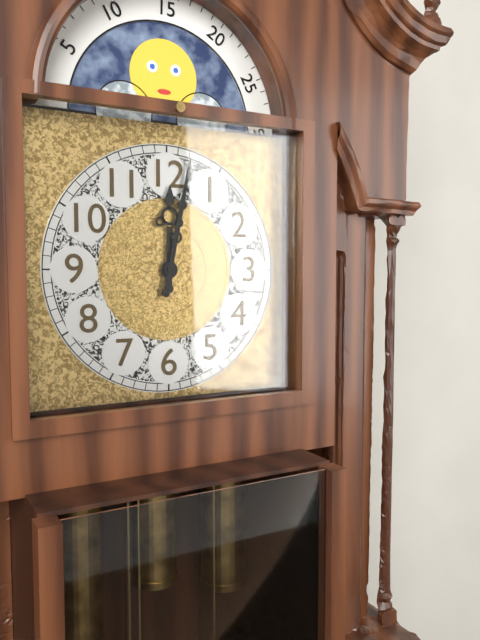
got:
12:02
